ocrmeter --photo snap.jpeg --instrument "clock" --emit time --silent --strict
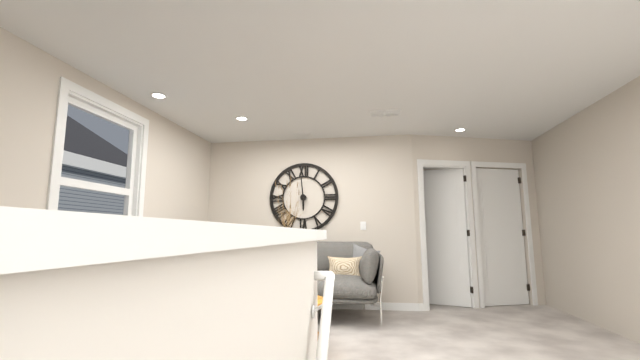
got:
5:59
